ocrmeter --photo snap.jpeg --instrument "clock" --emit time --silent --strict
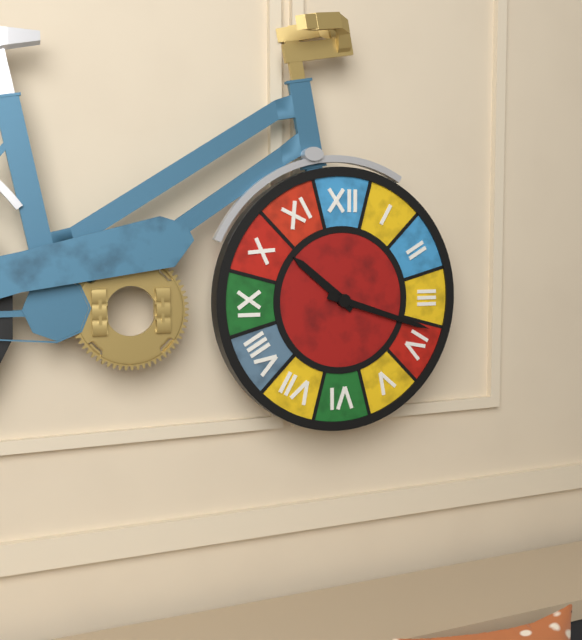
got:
10:18
